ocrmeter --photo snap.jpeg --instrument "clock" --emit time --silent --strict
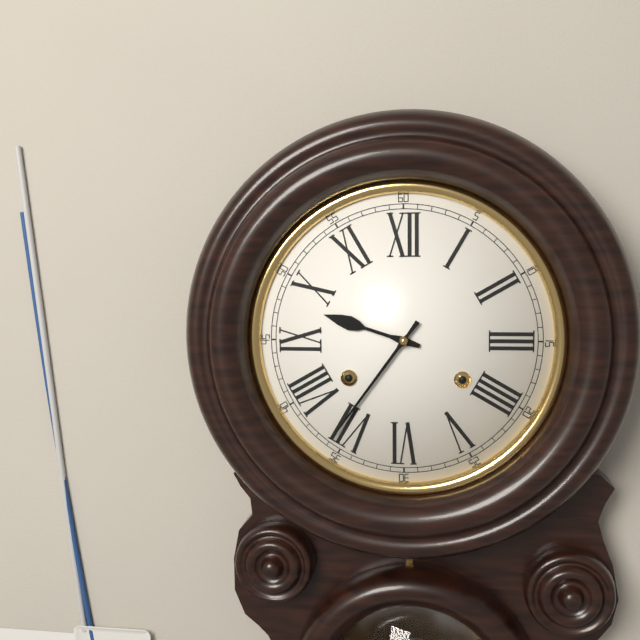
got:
9:36
